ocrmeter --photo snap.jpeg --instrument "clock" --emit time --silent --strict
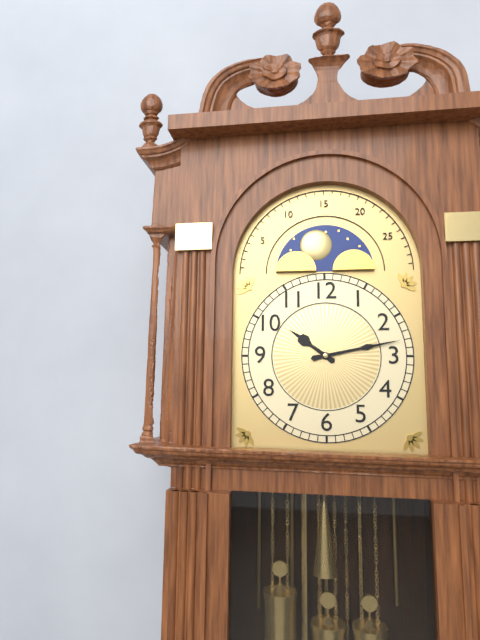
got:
10:13
